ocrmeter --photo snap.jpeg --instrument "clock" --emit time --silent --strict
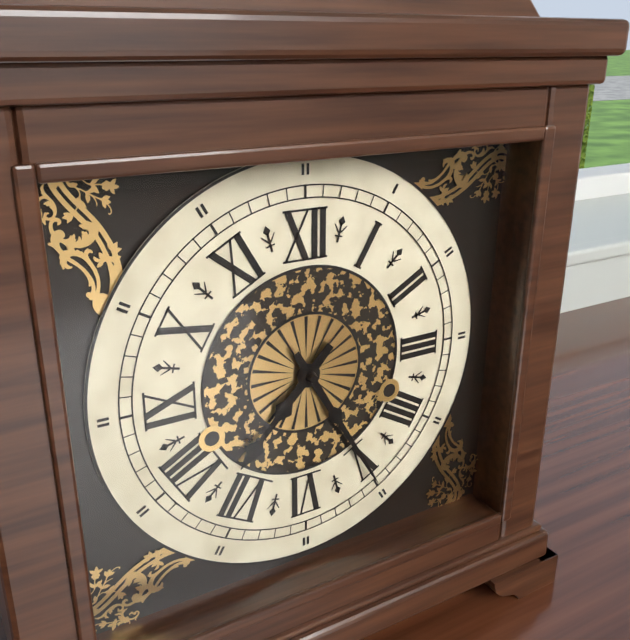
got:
7:25
